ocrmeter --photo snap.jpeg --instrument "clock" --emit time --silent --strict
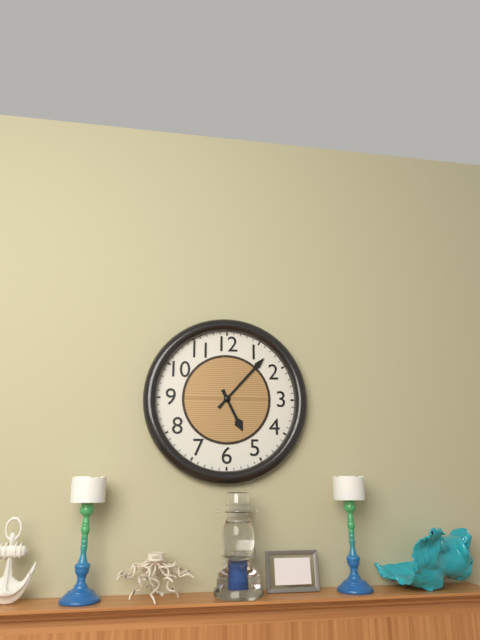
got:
5:07
